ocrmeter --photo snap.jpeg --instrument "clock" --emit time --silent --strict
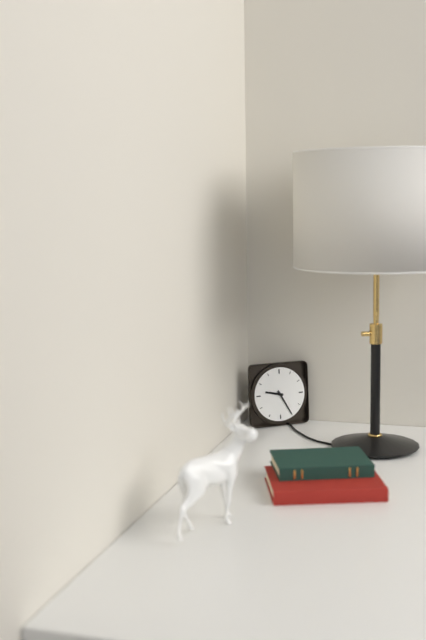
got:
9:25
